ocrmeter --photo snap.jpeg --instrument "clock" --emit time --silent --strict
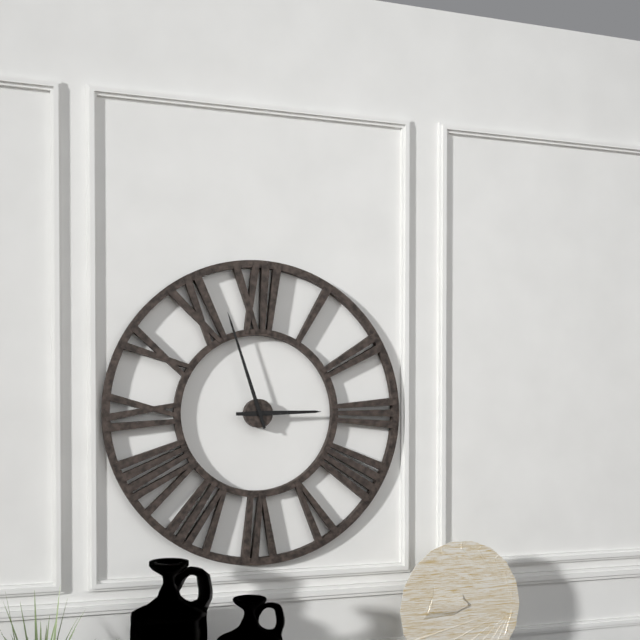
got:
2:57
